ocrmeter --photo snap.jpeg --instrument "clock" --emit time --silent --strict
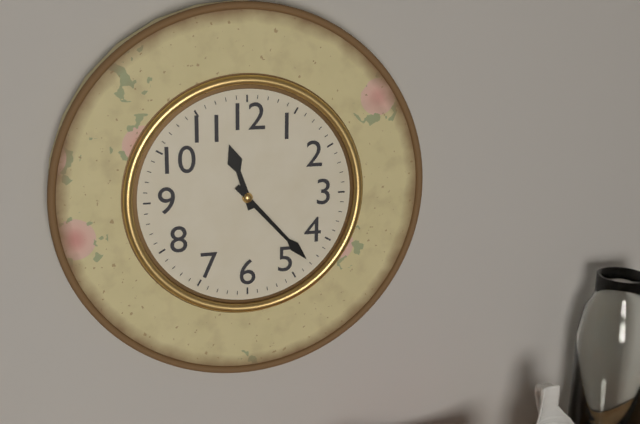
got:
11:23
